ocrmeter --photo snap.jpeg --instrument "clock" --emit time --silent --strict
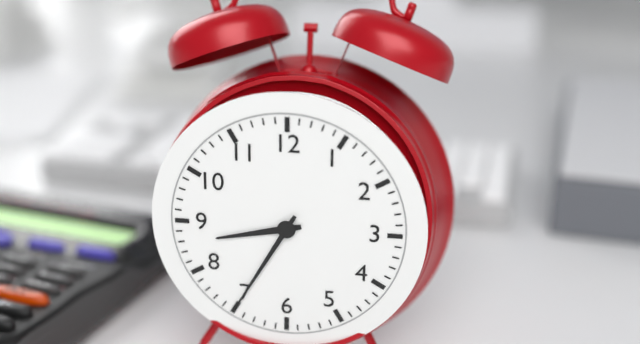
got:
8:35
